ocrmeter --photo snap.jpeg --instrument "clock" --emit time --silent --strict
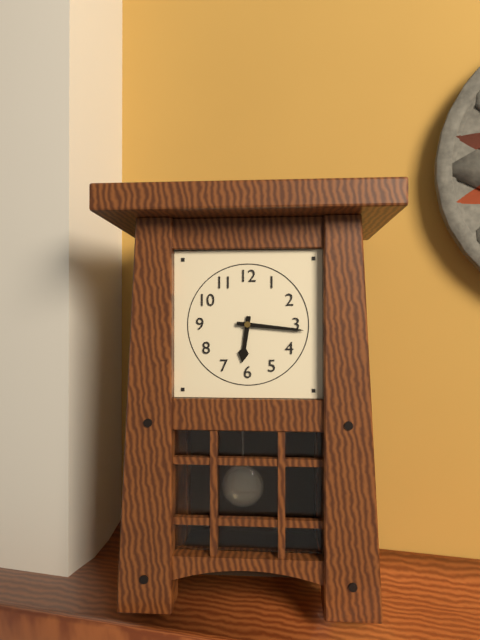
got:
6:16
